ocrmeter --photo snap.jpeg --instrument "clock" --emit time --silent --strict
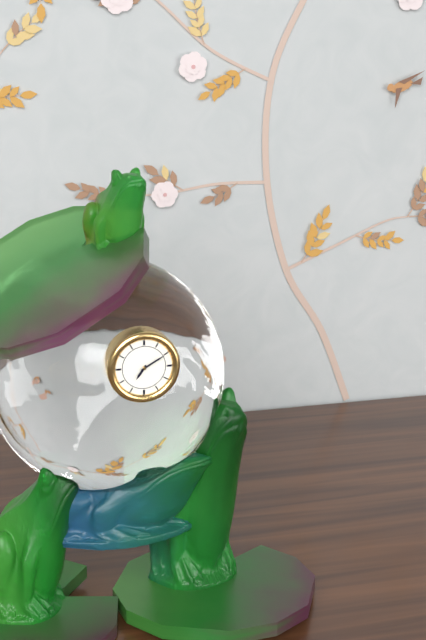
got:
7:10
